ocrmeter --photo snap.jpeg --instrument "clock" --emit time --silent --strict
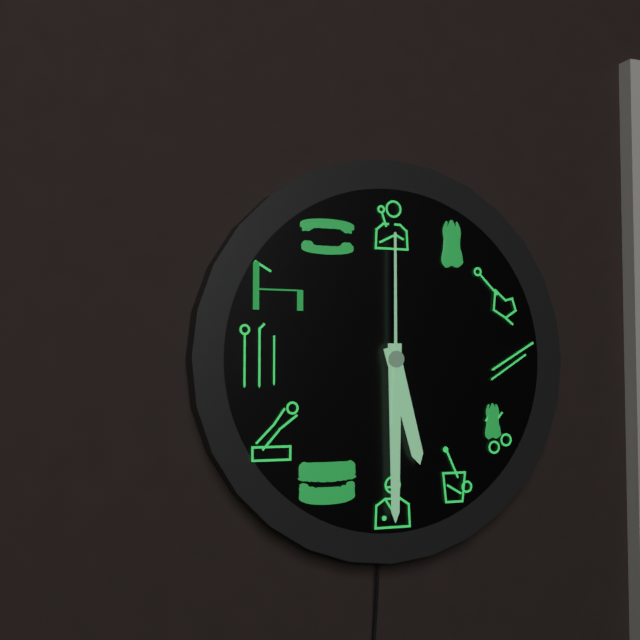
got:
5:30:00
